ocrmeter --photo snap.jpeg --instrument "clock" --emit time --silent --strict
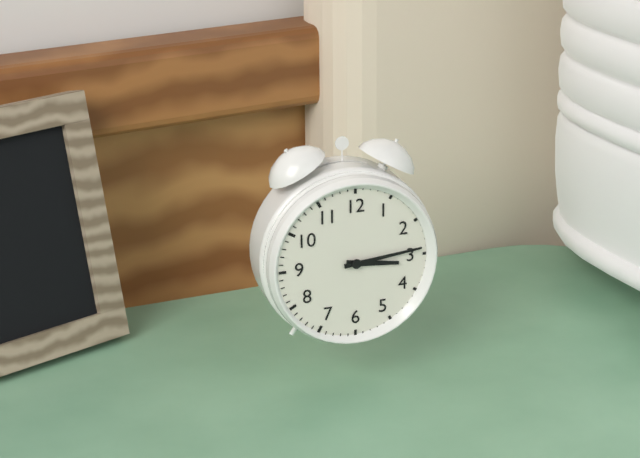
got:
3:14
